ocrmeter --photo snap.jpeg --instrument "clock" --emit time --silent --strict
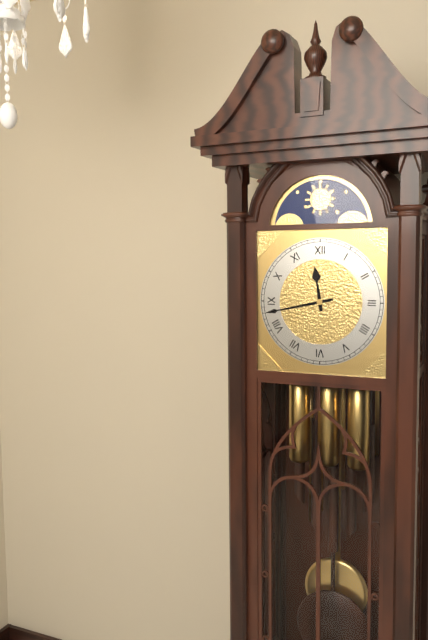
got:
11:43
